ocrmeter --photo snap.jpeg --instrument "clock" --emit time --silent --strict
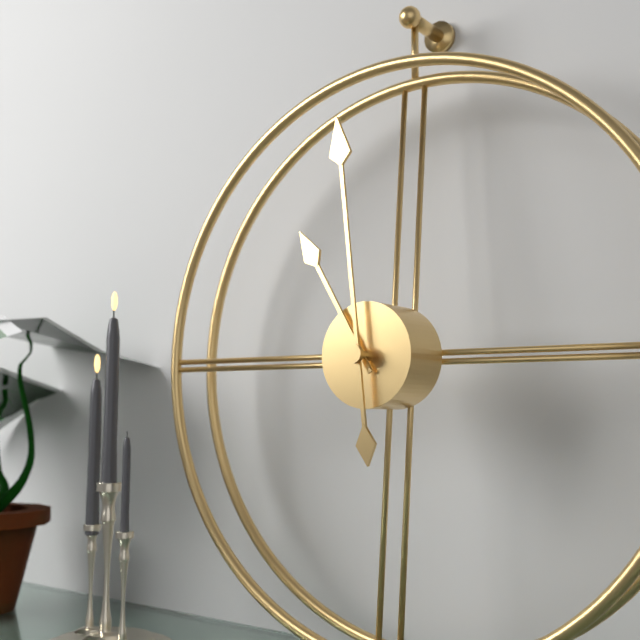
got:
10:59
